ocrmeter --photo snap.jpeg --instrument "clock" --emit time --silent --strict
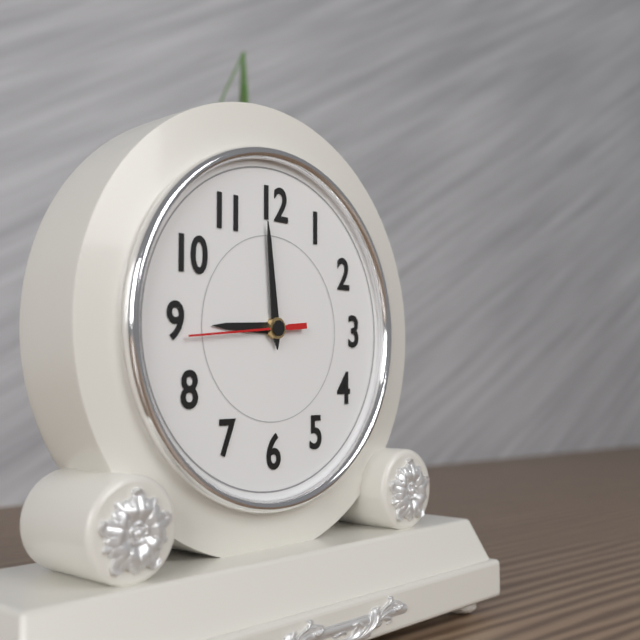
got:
8:59:44
